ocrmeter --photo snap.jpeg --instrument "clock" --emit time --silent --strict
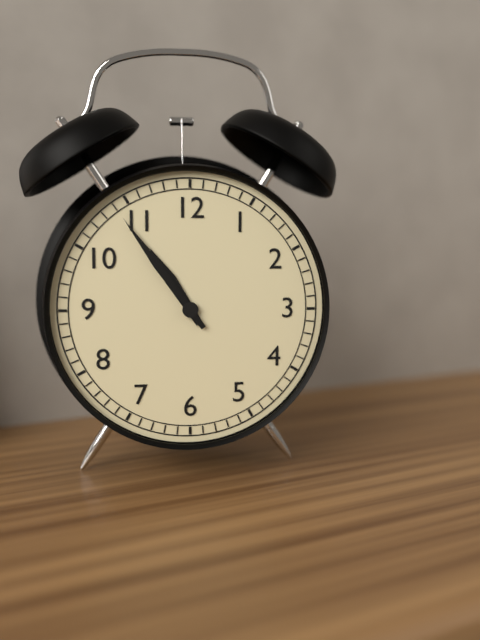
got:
10:54
